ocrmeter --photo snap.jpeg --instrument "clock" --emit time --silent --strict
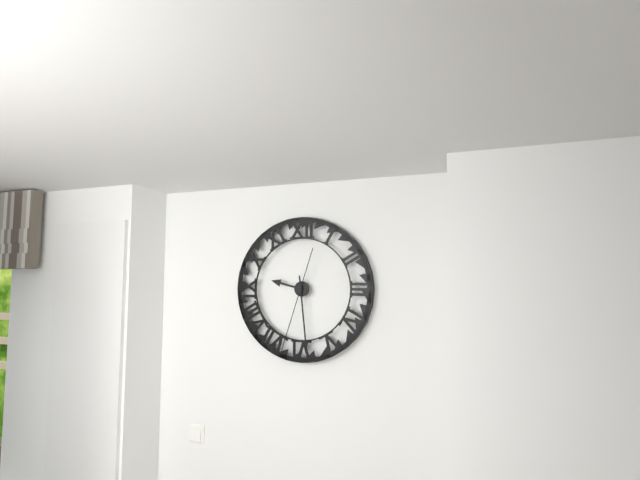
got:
9:29:33
